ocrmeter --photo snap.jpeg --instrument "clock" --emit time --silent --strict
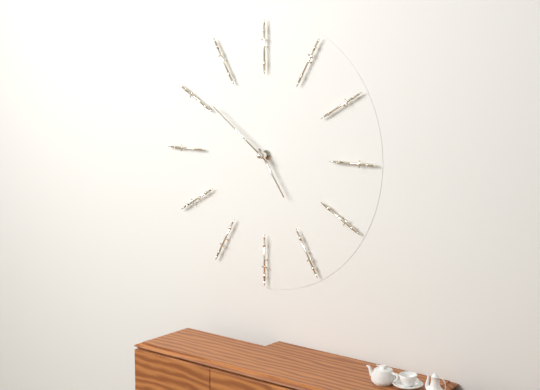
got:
4:51
